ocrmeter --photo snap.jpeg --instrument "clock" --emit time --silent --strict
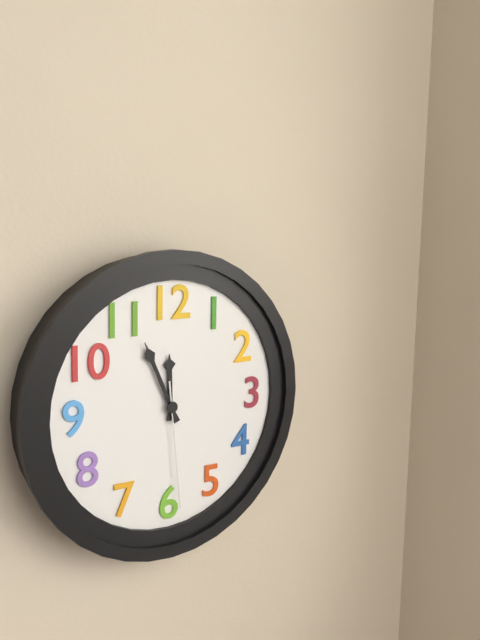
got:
11:56:29
